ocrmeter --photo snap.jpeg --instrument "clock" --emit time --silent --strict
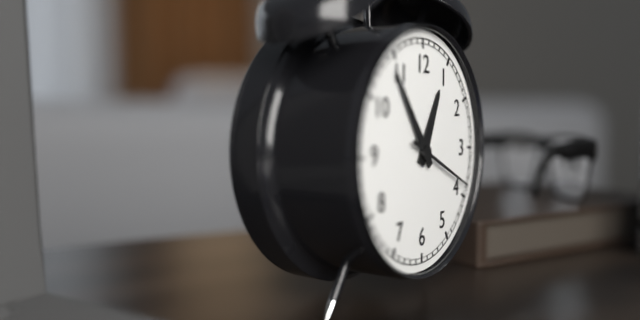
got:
12:54:19
